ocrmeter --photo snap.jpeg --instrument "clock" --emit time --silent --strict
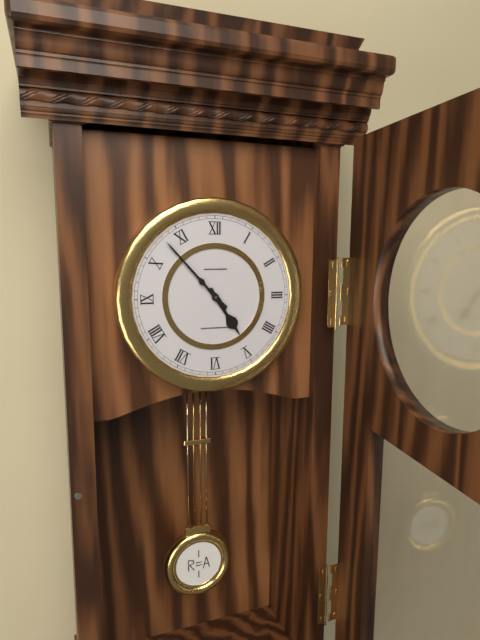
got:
4:53
